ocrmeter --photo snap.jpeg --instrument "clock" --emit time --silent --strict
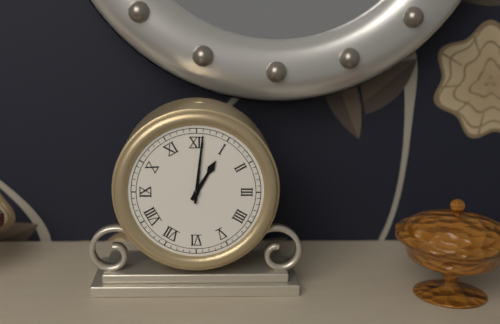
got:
1:01
